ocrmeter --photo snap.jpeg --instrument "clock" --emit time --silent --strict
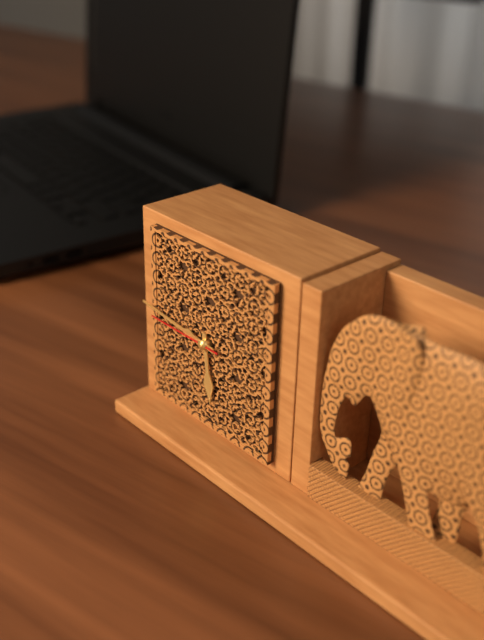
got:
5:46:45
